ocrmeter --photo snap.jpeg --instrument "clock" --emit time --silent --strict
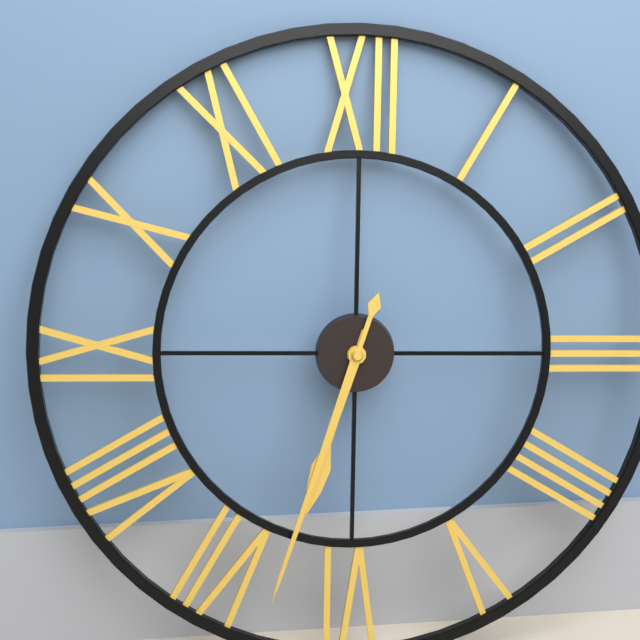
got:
6:33
